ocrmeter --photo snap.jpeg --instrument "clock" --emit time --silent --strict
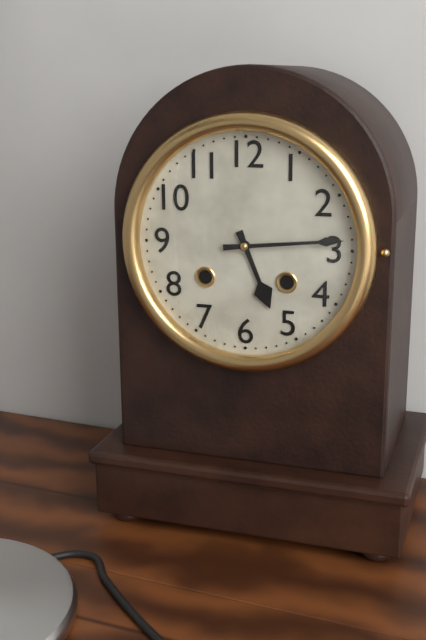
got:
5:14
